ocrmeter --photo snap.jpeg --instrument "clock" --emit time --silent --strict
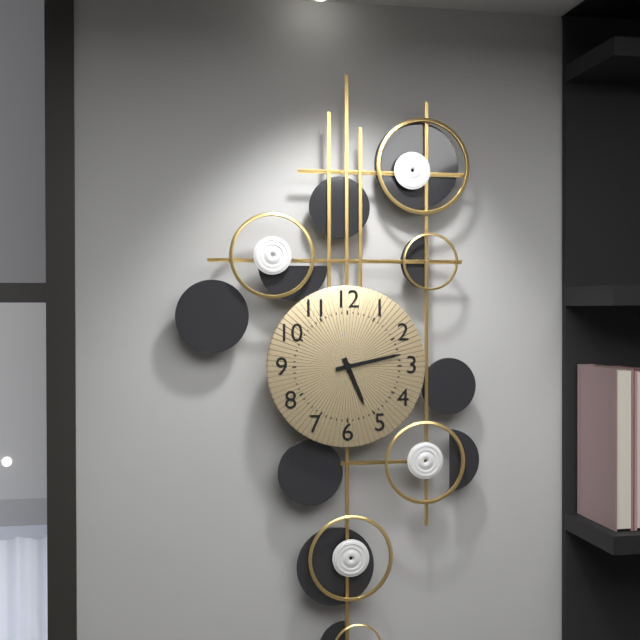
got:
5:13
